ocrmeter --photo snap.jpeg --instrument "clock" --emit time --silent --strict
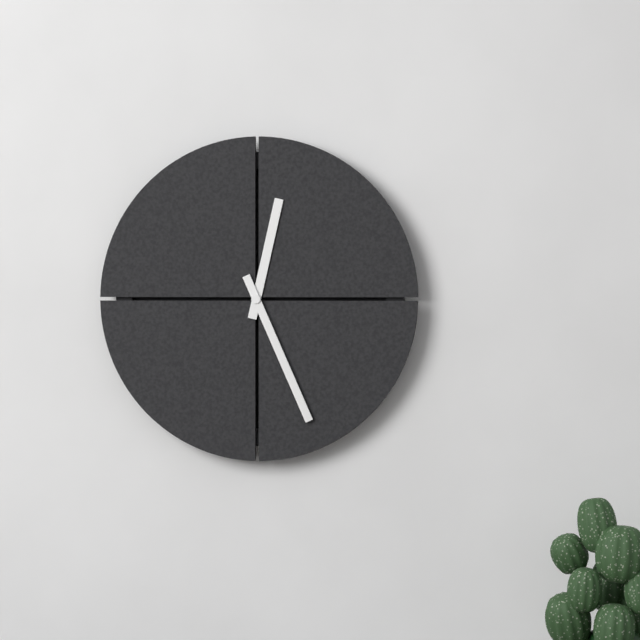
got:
12:26
